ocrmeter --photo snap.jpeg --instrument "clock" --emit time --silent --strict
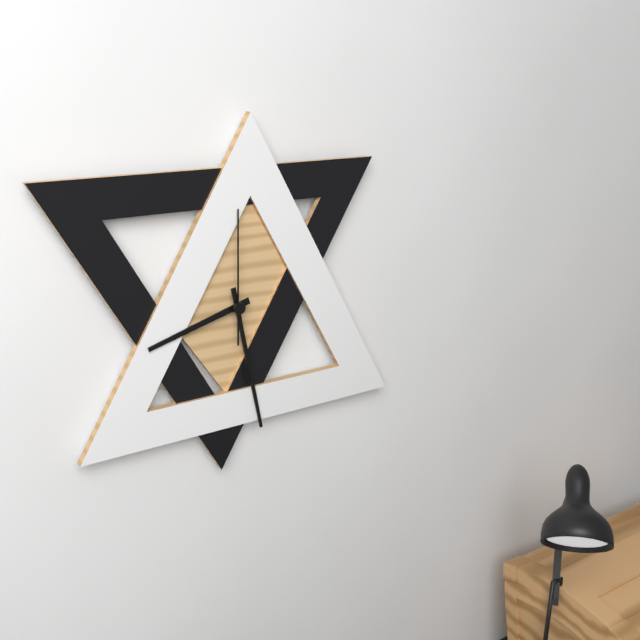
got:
8:28:00
